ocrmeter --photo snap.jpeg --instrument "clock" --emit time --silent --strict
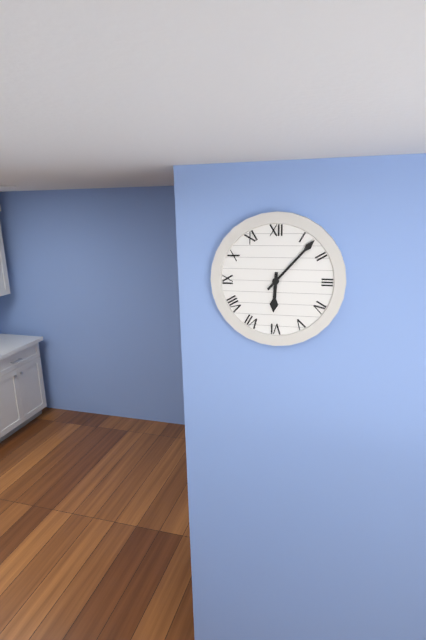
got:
6:07
